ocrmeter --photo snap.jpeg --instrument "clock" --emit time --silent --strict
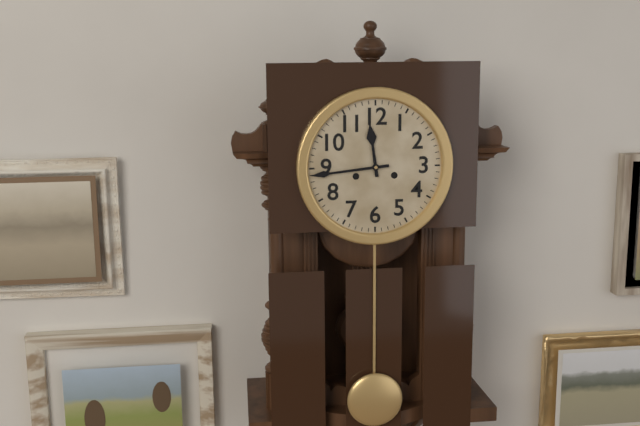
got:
11:44
